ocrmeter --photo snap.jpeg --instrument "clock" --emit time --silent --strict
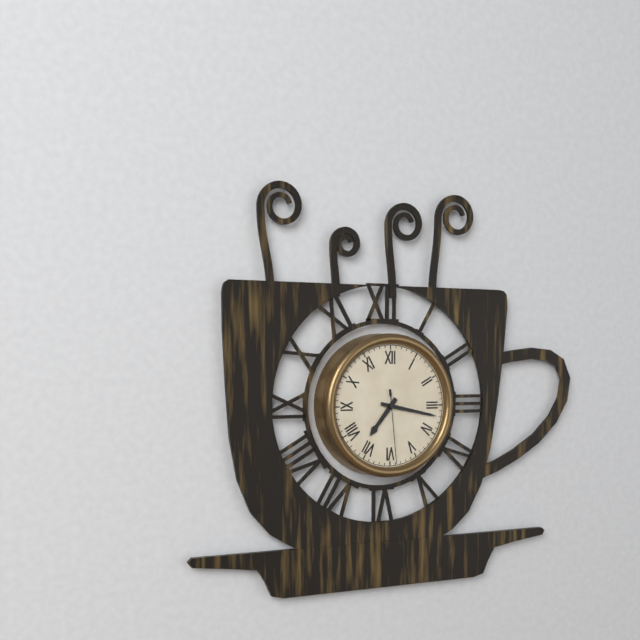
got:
7:17:29
